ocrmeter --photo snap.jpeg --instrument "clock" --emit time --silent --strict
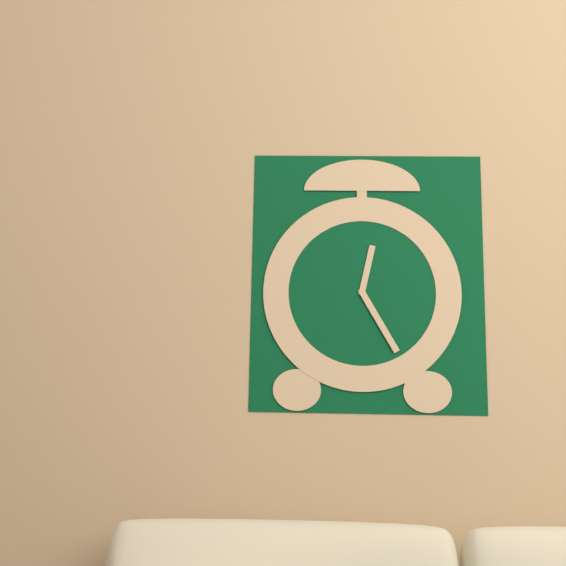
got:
12:25
